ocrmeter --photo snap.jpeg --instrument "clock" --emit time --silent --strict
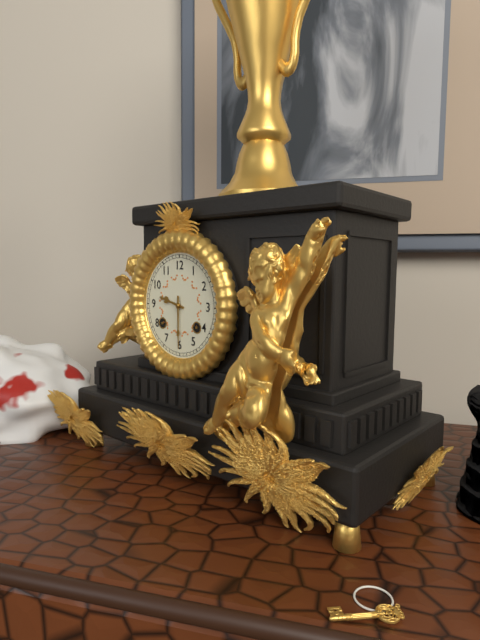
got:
9:30
